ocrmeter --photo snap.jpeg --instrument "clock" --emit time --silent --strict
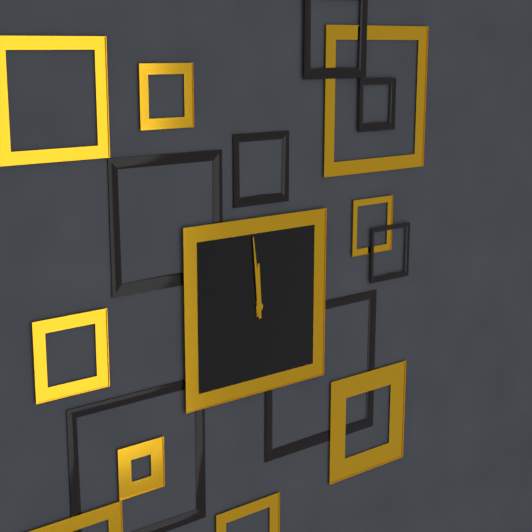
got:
11:59
